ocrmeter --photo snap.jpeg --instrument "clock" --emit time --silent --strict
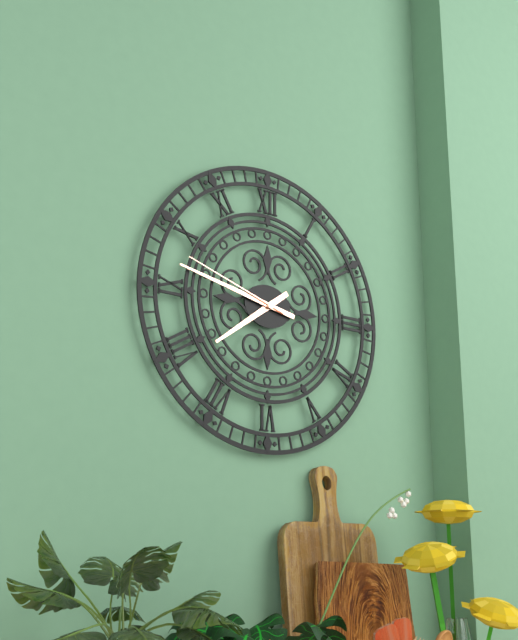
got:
7:47:48
